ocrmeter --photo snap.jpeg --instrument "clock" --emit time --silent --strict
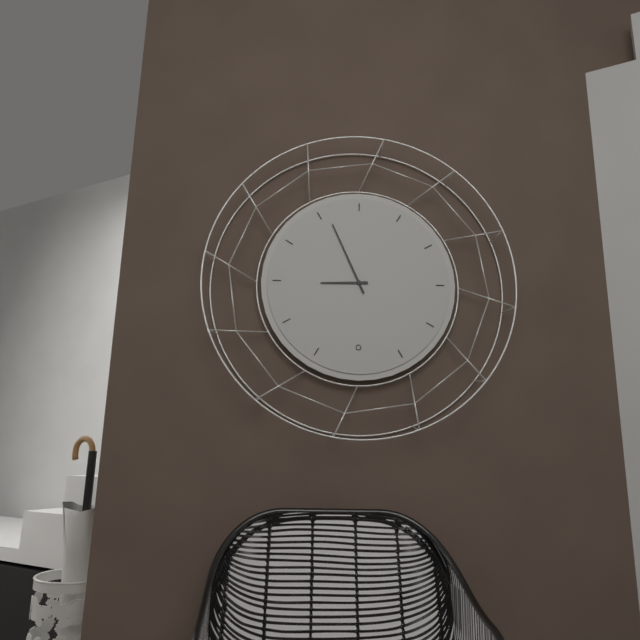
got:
8:56
